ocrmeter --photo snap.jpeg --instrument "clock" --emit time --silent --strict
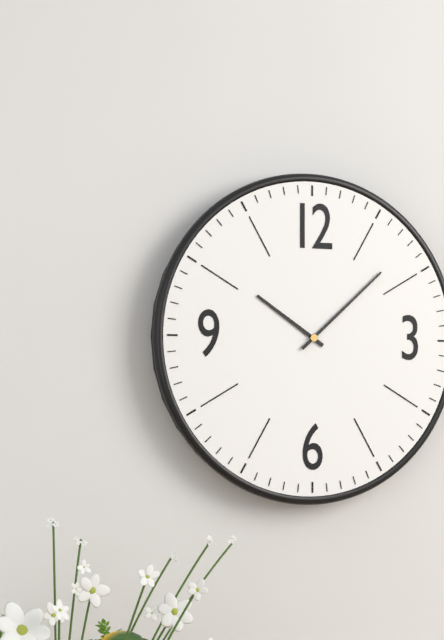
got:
10:08
